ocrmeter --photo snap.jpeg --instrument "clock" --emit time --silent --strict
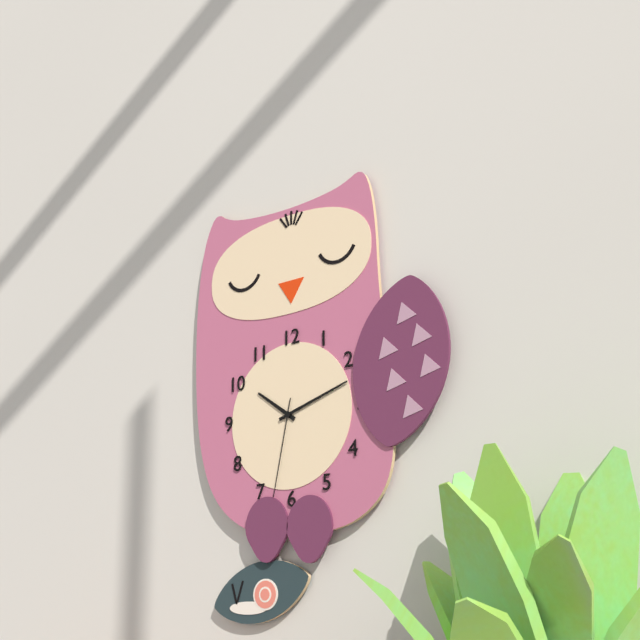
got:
10:12:32
